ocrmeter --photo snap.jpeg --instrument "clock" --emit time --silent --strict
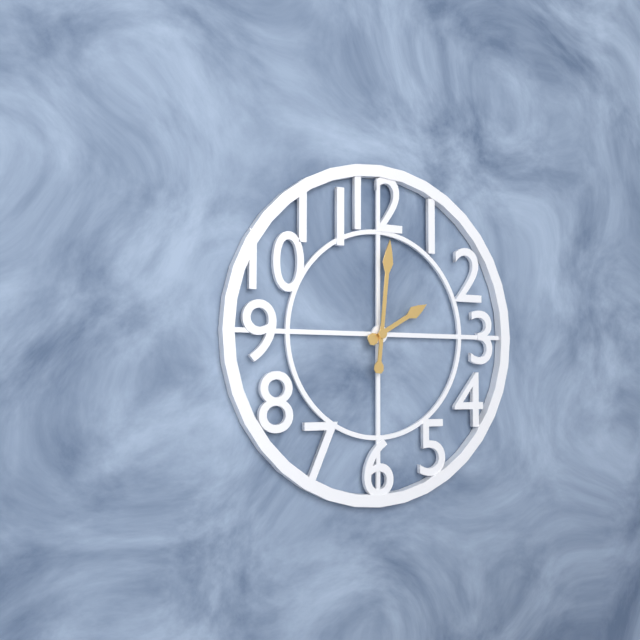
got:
2:01
